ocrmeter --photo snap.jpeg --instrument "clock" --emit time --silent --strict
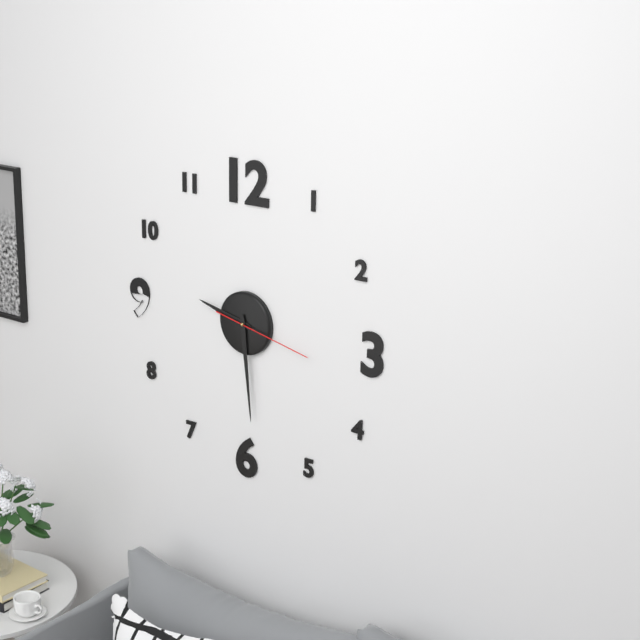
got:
9:29:17
